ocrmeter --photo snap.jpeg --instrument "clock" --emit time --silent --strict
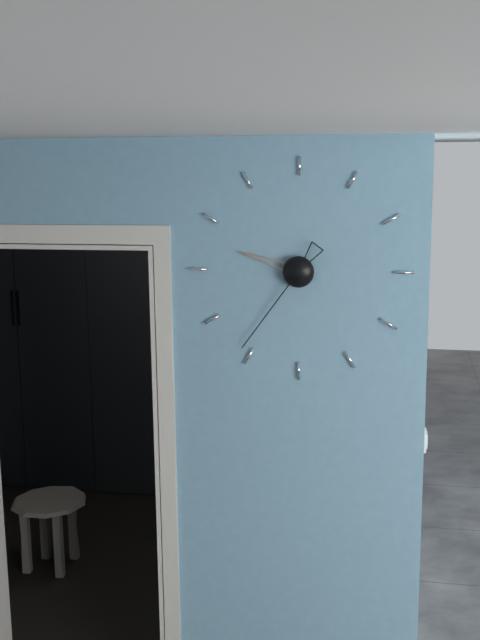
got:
9:36
